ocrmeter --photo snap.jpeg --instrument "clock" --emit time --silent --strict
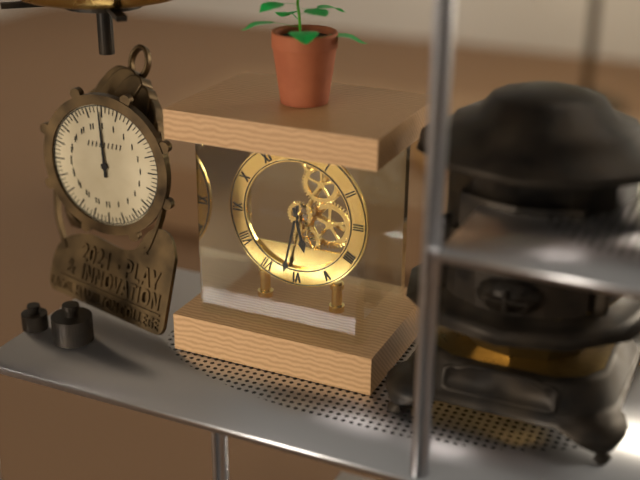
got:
5:32
